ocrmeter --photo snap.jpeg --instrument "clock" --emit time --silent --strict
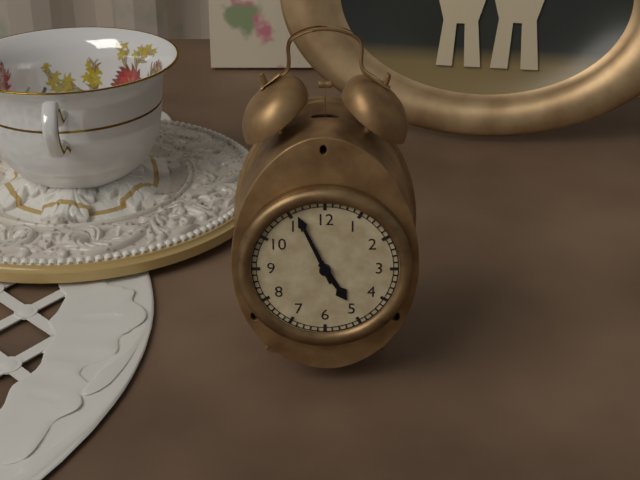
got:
4:56
